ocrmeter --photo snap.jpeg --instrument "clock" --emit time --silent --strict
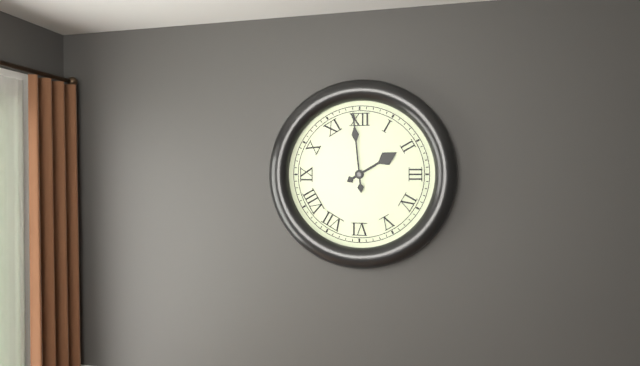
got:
1:59
